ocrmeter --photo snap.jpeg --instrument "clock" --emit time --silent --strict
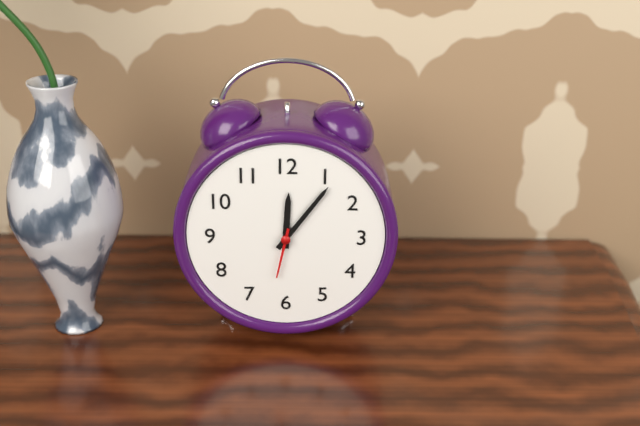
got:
12:06:32
